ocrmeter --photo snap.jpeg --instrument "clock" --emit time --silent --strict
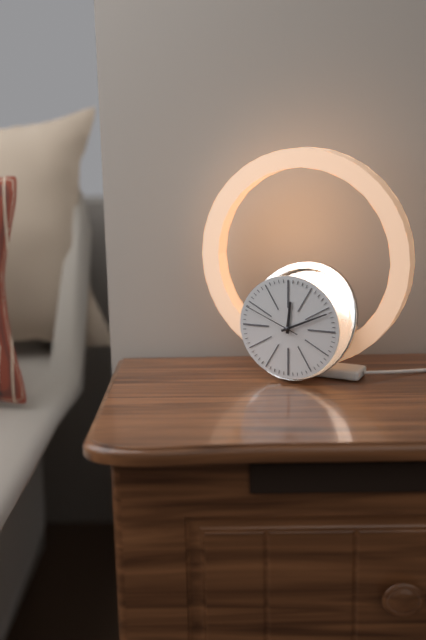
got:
12:11:49
